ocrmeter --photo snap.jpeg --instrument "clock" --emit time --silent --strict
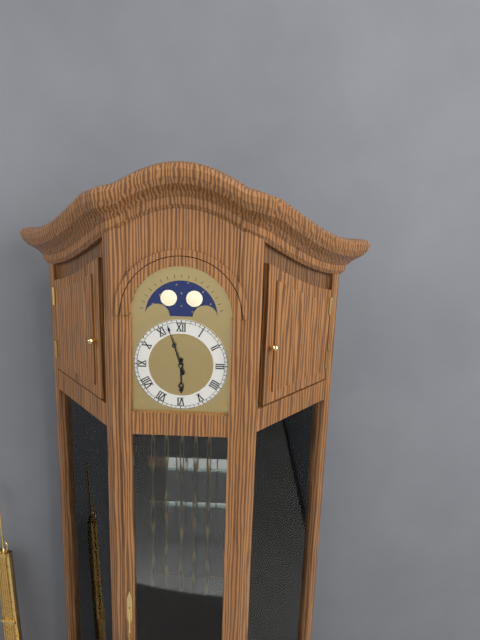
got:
5:57
